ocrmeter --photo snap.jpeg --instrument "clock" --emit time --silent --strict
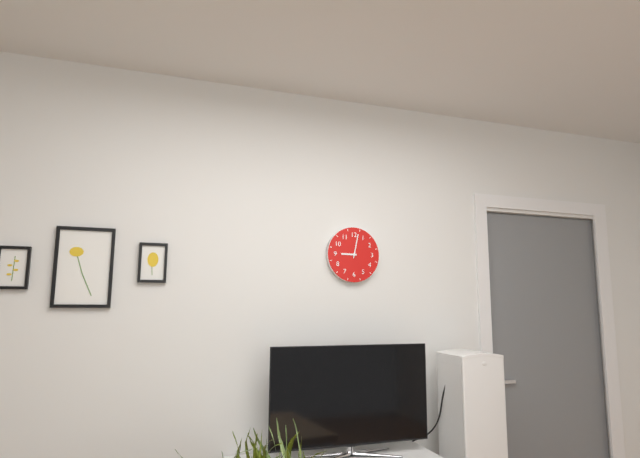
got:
9:02
